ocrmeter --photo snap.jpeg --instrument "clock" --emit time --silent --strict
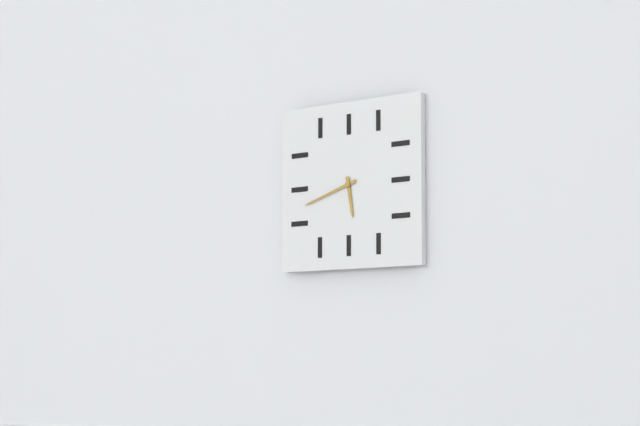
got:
5:42
